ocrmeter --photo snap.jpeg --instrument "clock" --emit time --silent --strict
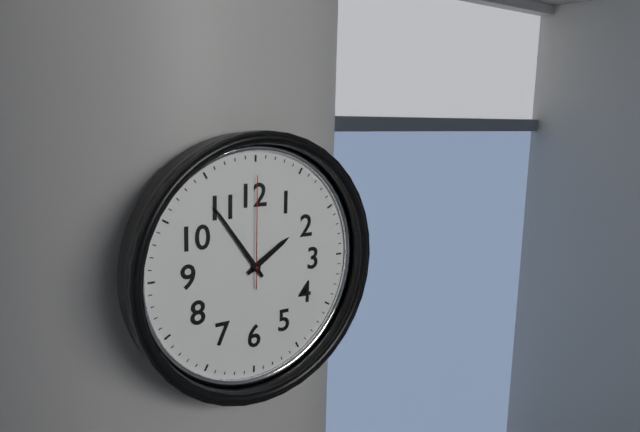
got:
1:54:00
